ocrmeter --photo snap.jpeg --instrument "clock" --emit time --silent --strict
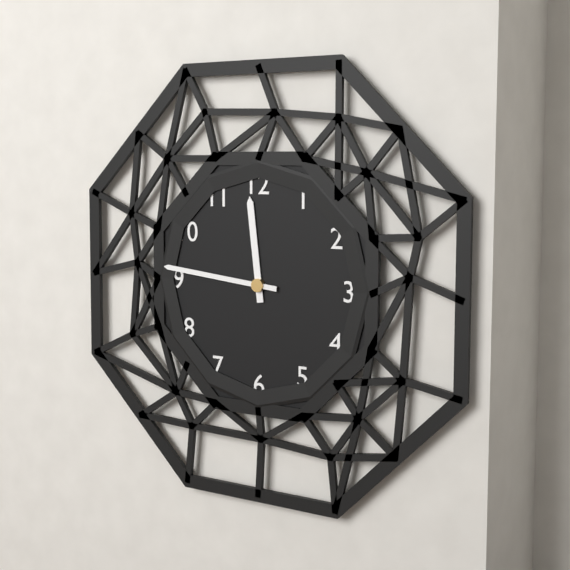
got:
11:46
